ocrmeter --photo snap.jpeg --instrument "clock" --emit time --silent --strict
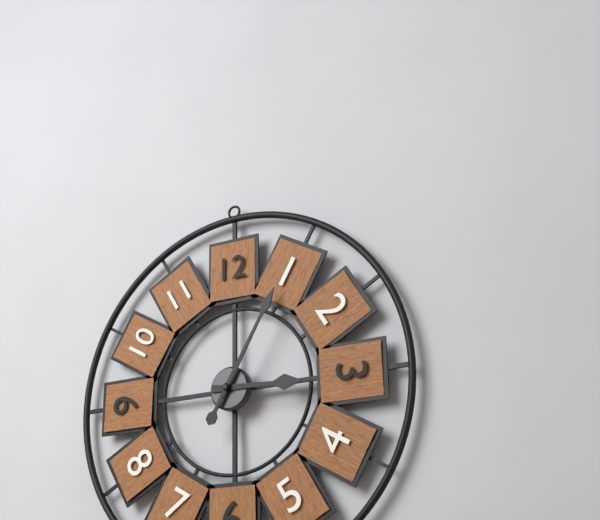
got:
3:05
